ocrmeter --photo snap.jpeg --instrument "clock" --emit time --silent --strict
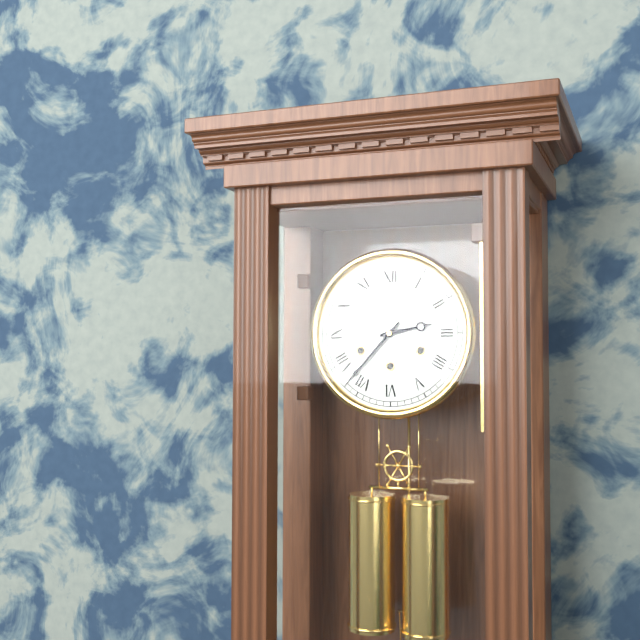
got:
2:37
